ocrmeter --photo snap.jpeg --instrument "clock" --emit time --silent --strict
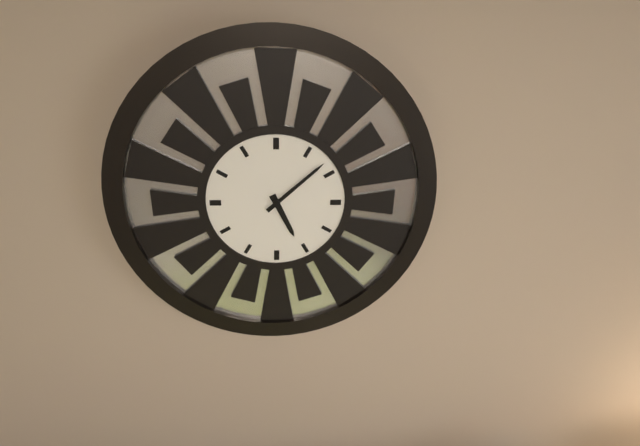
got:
5:08
